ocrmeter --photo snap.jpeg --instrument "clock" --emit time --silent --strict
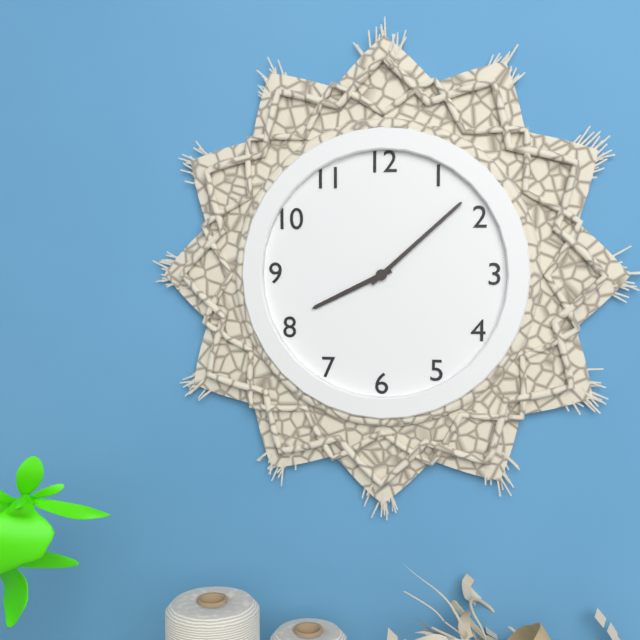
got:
8:08
